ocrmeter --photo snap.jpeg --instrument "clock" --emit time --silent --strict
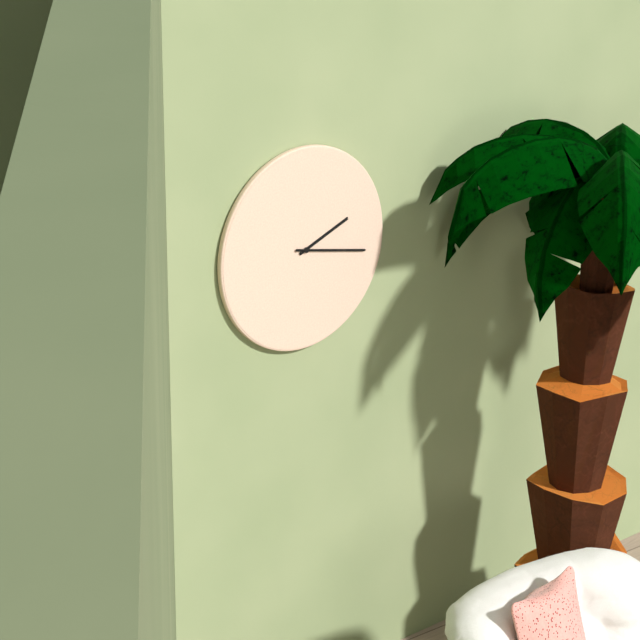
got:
2:17
